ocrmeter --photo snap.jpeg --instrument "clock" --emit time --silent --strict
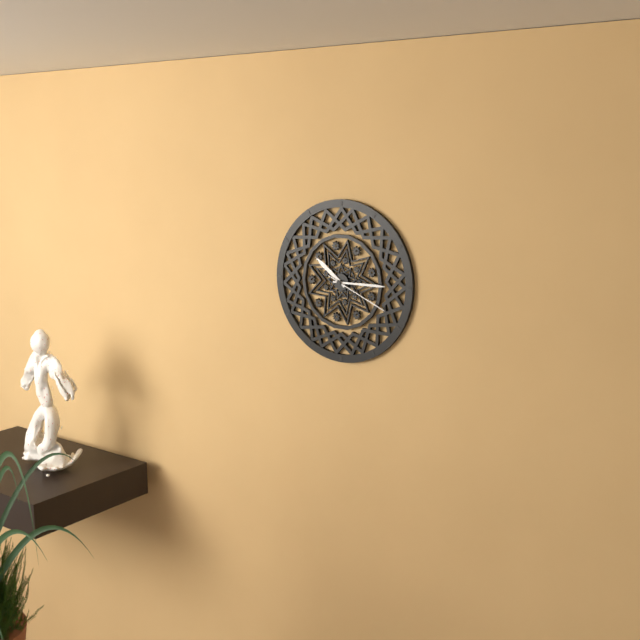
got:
10:15:19
